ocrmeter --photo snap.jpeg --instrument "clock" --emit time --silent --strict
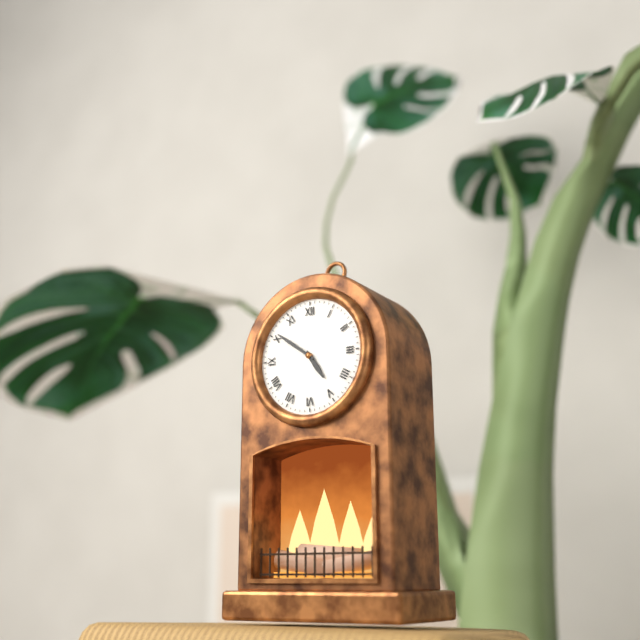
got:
4:51
